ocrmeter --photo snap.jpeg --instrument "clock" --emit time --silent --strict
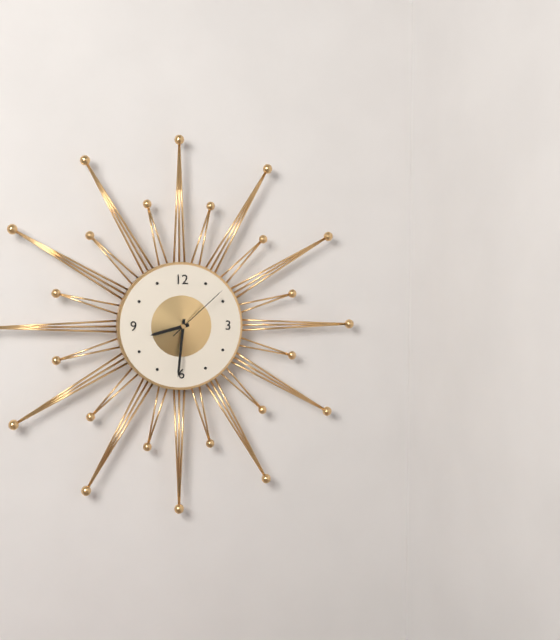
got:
8:31:08
